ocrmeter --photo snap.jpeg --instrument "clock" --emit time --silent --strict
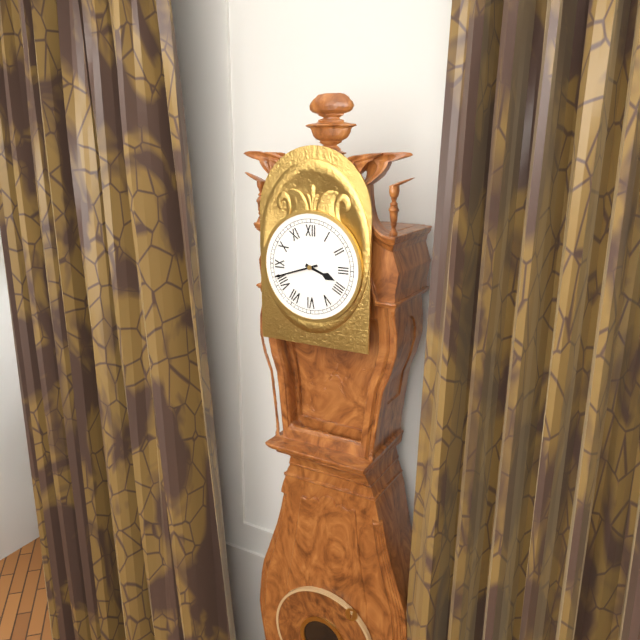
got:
3:42
